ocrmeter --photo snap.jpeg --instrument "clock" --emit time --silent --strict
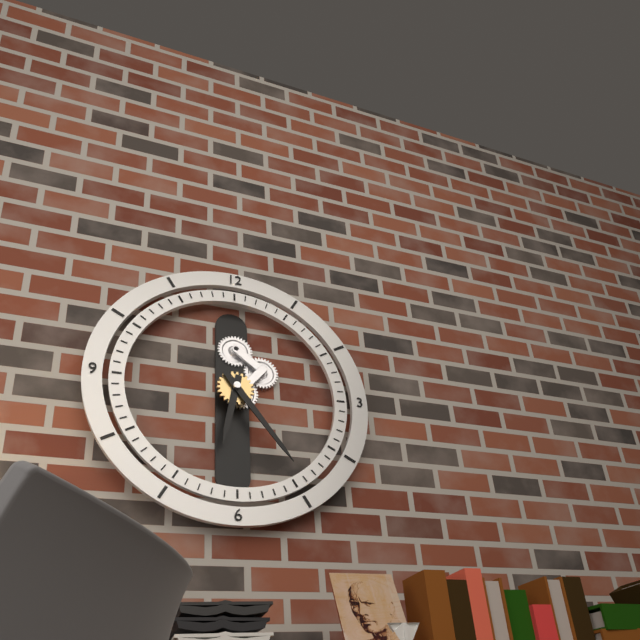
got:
6:24
